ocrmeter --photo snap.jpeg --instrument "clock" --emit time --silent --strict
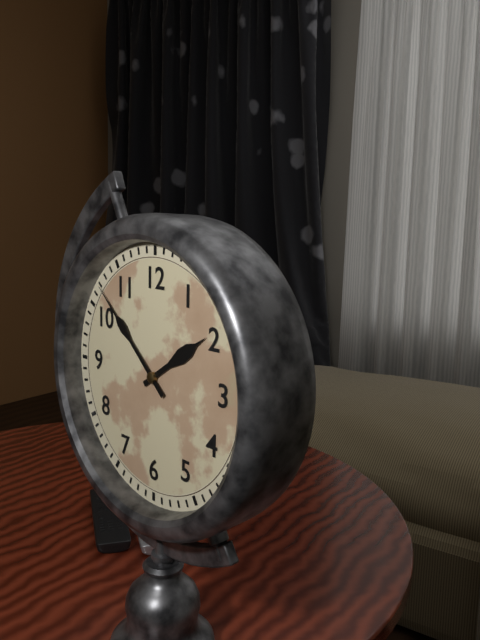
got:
1:52
